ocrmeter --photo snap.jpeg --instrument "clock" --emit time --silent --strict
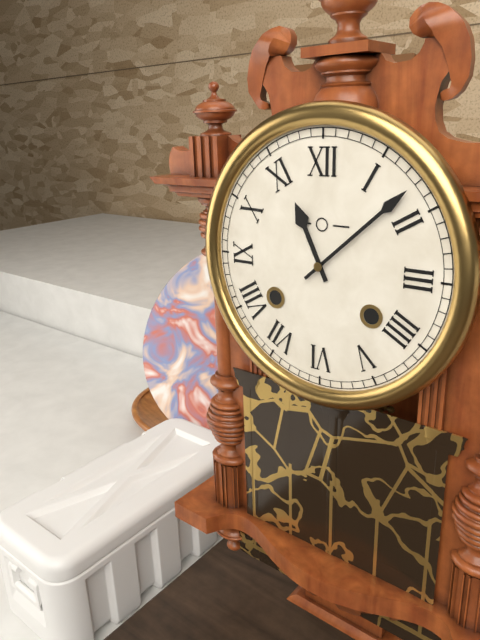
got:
11:08
